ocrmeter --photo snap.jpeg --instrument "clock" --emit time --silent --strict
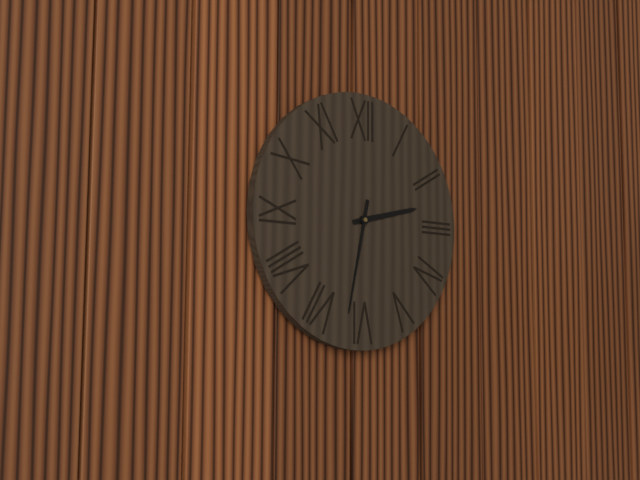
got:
2:32
